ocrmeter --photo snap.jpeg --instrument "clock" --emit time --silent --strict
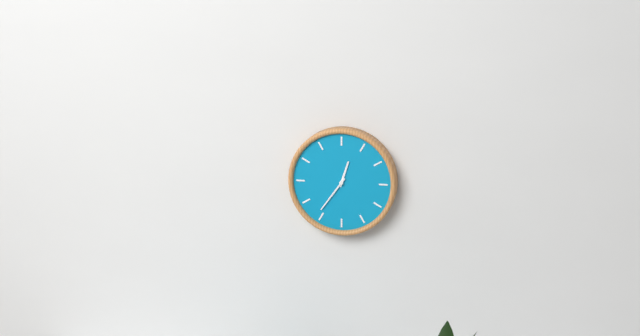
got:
12:36
